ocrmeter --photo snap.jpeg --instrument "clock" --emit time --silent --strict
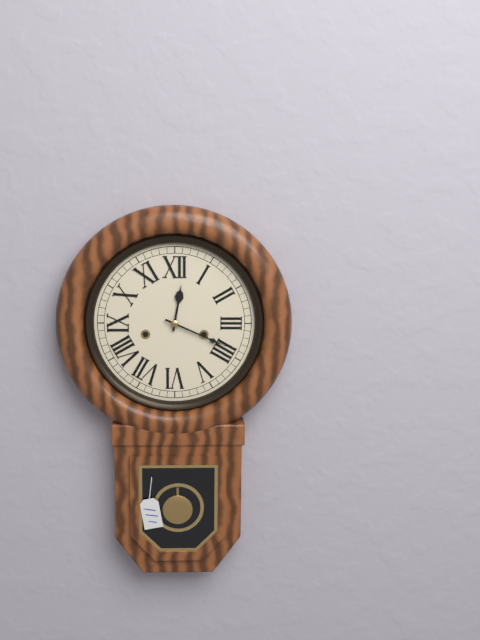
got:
12:19
